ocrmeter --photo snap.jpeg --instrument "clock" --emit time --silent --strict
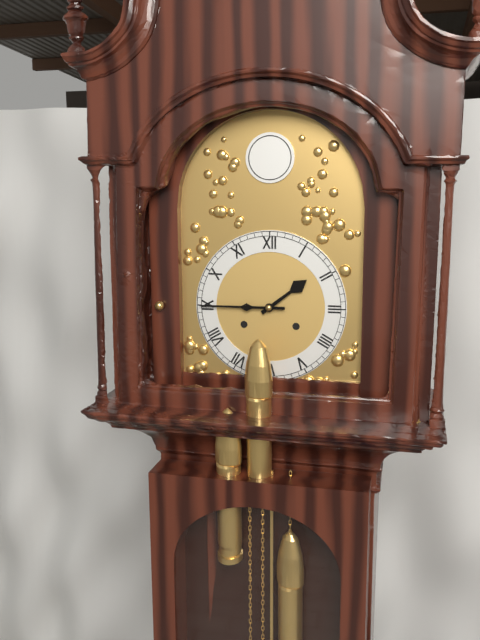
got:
1:45
